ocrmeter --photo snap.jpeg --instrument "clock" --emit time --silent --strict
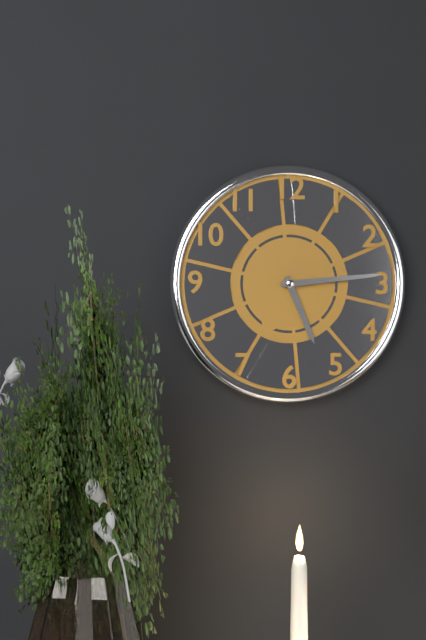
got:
5:14
